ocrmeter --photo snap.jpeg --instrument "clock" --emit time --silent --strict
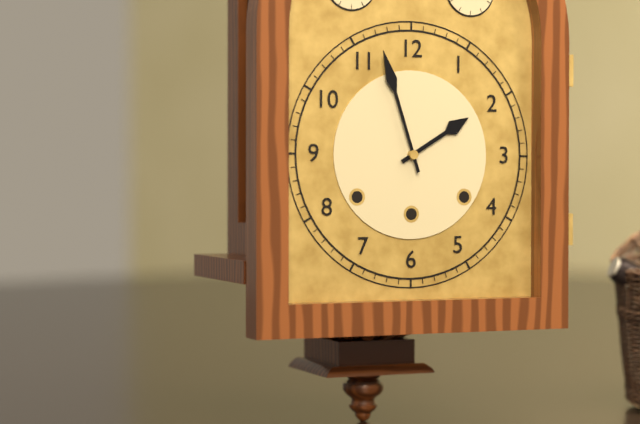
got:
1:57
